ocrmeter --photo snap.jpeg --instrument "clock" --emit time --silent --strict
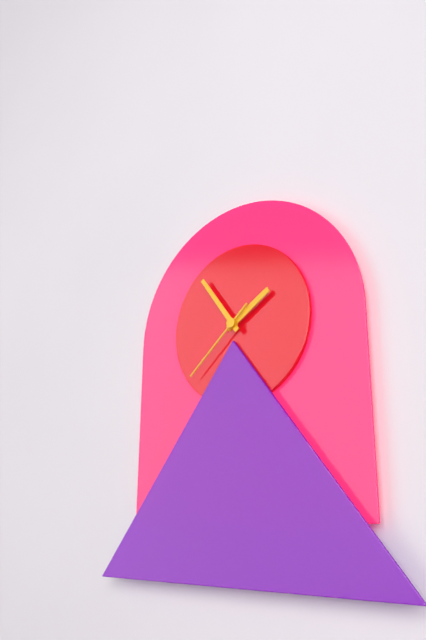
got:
1:54:38
